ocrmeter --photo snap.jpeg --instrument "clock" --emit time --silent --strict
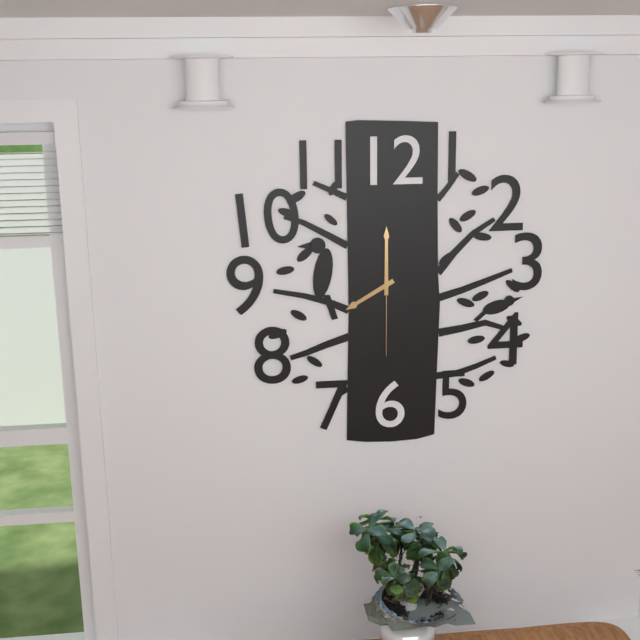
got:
8:00:30
